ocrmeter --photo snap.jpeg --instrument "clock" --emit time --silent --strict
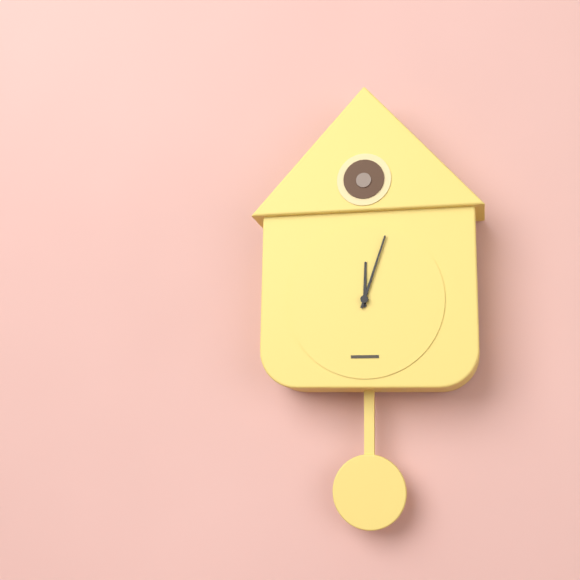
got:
12:03
